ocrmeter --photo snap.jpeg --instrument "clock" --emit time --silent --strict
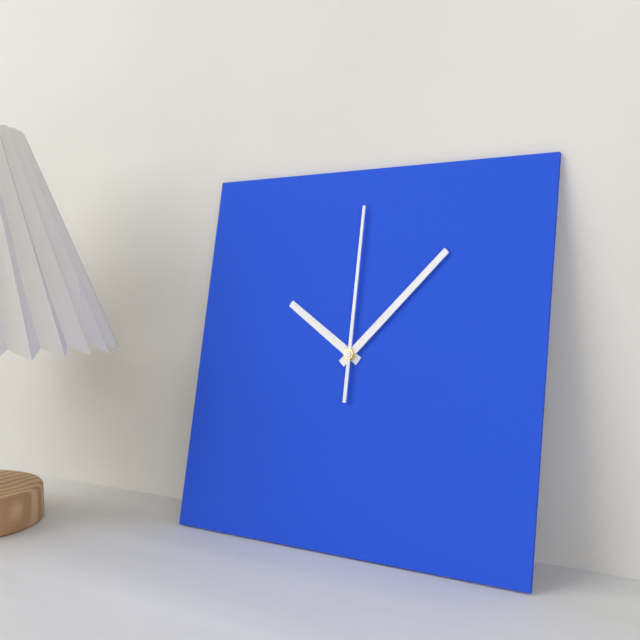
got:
10:07:00
